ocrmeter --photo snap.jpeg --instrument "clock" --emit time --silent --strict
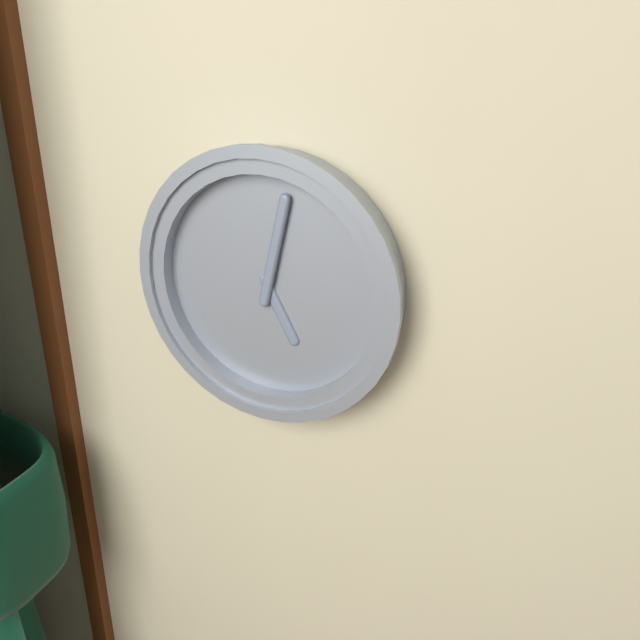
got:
5:02
